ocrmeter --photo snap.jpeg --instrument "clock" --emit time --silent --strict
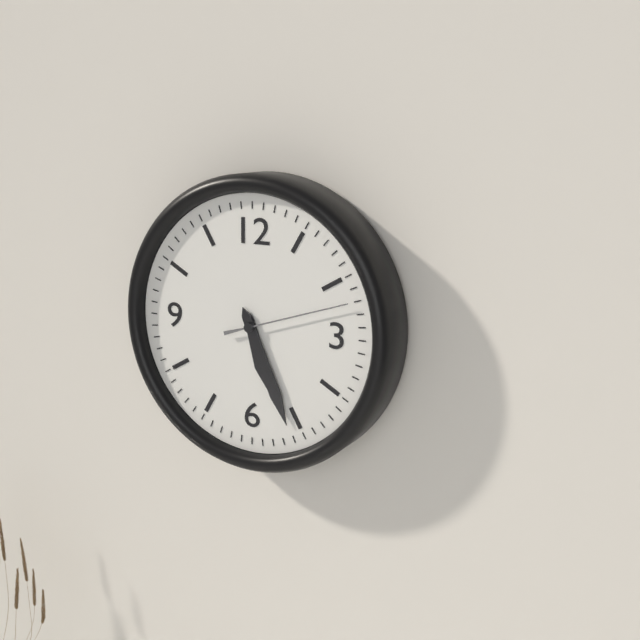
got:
5:26:12
